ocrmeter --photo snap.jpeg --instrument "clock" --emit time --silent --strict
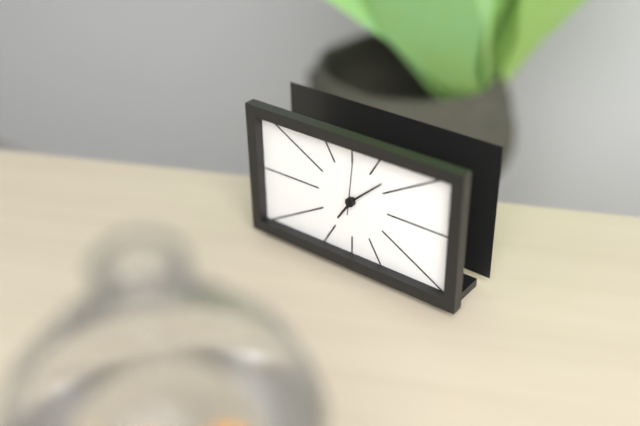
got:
7:08:01
